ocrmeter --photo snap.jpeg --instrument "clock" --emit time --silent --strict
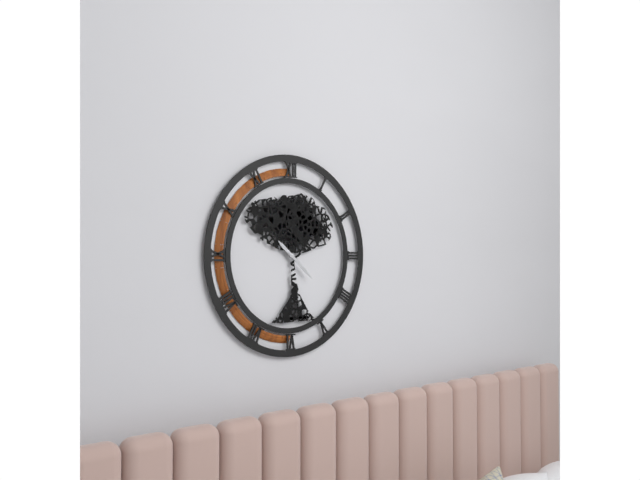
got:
10:22
